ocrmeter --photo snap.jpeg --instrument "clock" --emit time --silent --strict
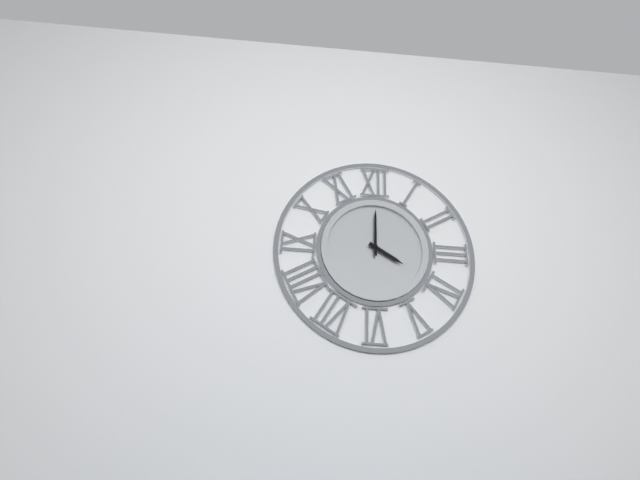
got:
4:00
